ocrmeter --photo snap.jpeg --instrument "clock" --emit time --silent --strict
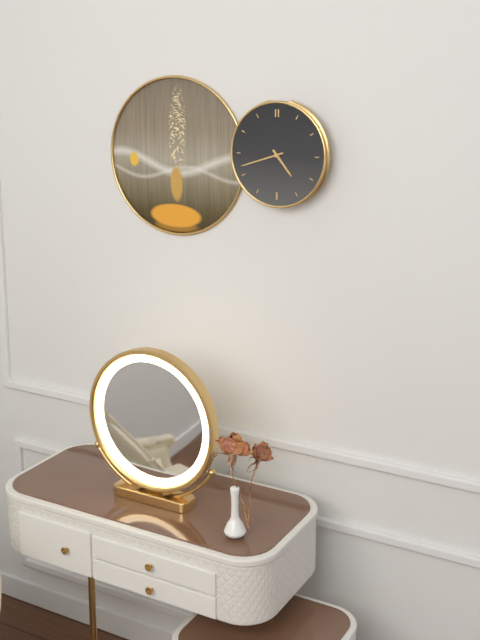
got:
4:42
